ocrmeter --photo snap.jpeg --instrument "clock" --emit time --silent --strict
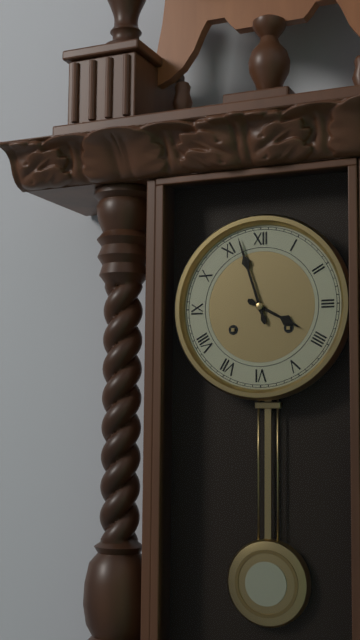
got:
3:57
